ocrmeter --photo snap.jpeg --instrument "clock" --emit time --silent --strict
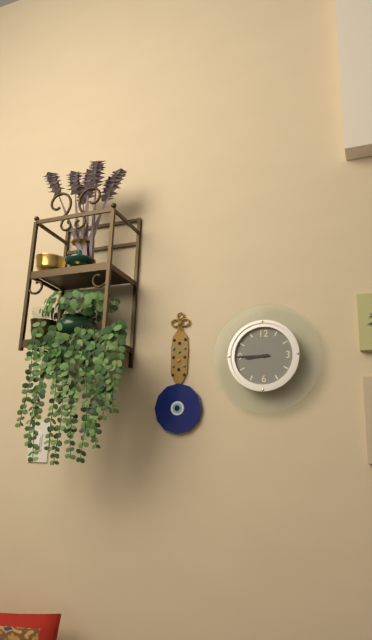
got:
8:45
